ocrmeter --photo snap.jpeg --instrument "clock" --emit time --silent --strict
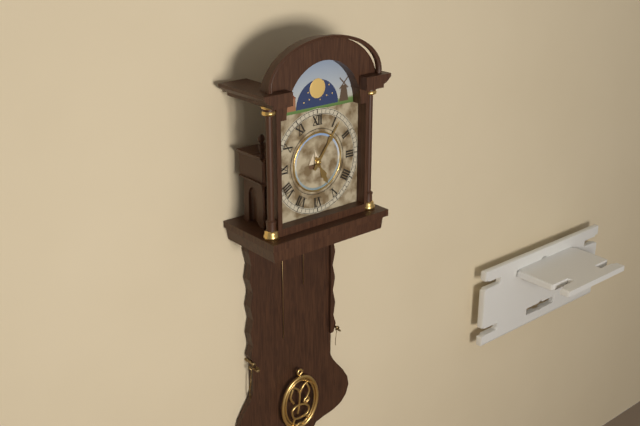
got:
5:06
